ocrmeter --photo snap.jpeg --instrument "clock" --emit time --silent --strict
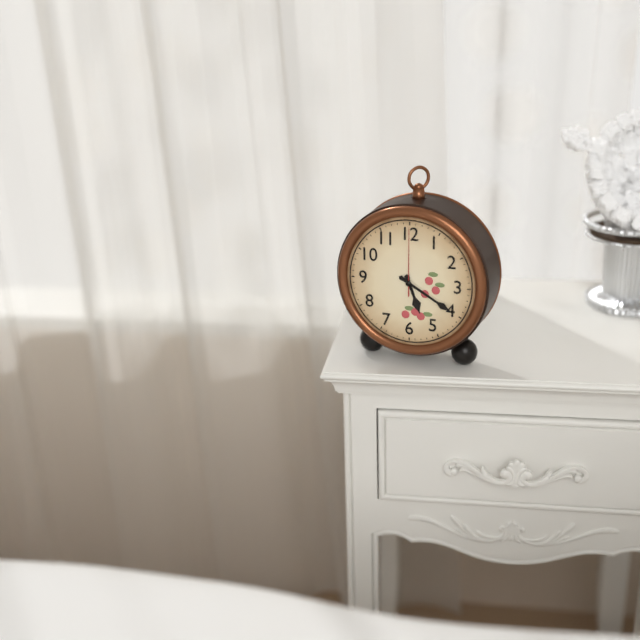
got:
5:20:00
